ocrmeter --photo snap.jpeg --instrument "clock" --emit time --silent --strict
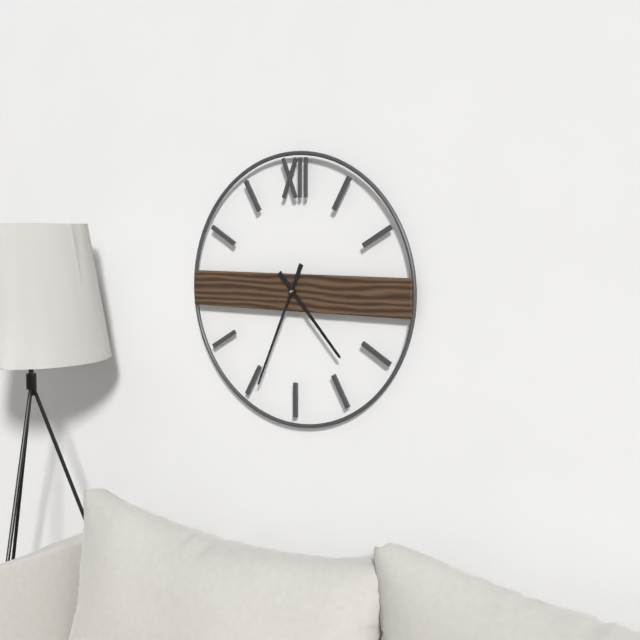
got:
4:34
